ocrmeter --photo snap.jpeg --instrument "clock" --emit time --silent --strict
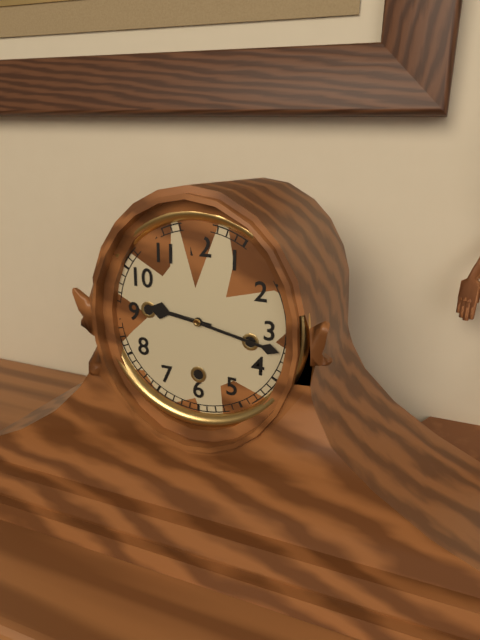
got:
9:17
